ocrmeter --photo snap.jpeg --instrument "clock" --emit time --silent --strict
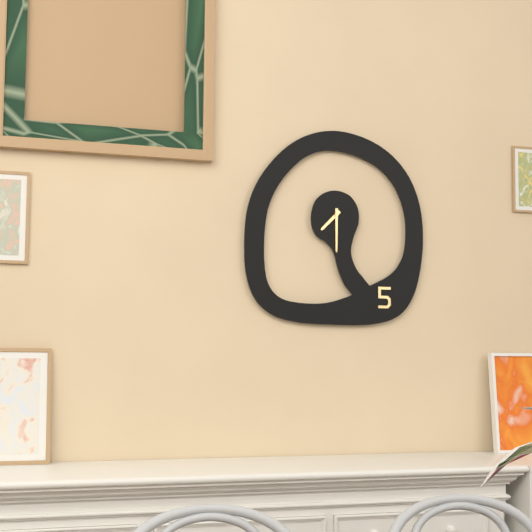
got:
7:30
